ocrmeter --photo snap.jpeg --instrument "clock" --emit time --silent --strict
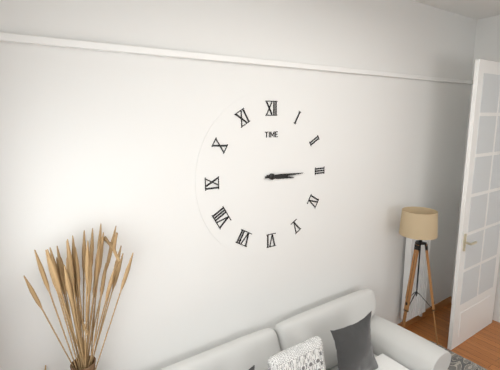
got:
3:15
